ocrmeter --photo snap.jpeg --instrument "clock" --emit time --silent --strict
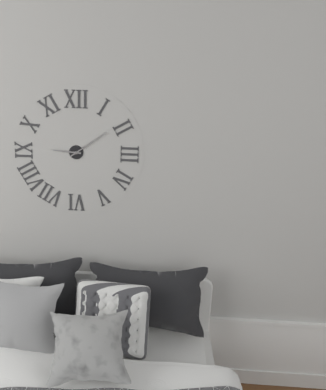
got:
9:09
